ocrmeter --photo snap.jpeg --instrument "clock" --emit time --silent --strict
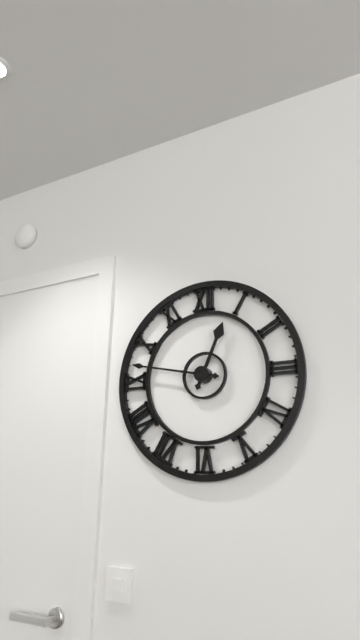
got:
12:47
